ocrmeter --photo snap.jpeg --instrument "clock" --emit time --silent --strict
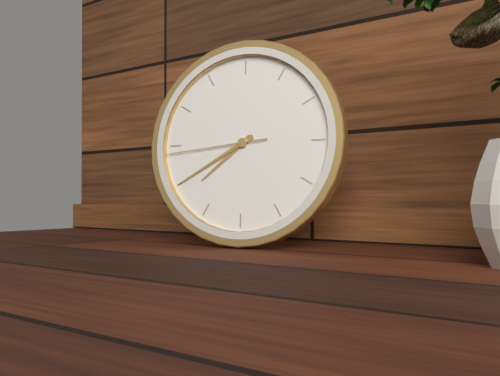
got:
7:40:44
